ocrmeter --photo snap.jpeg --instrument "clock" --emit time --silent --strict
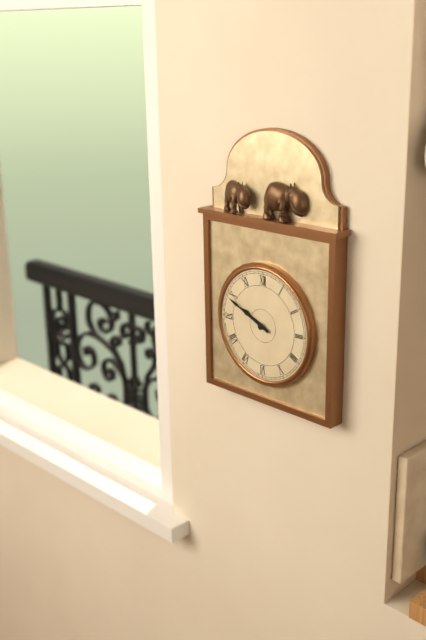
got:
9:49
